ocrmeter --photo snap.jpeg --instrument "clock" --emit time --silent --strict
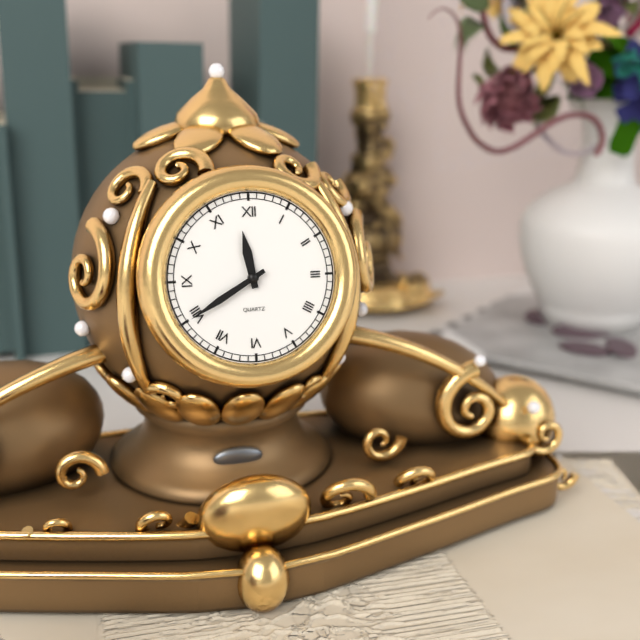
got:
11:40
